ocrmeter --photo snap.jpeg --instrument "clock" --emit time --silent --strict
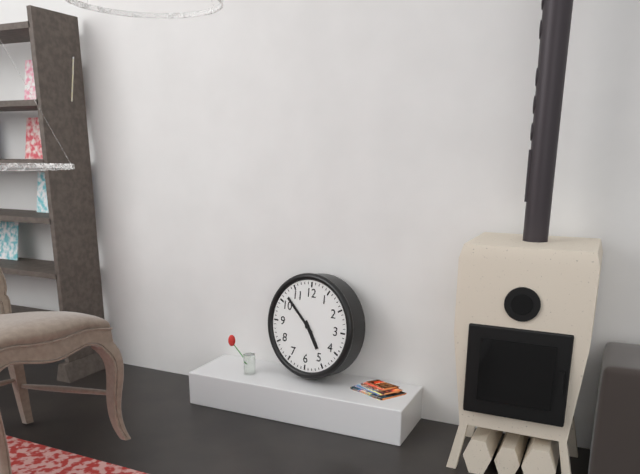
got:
4:52
